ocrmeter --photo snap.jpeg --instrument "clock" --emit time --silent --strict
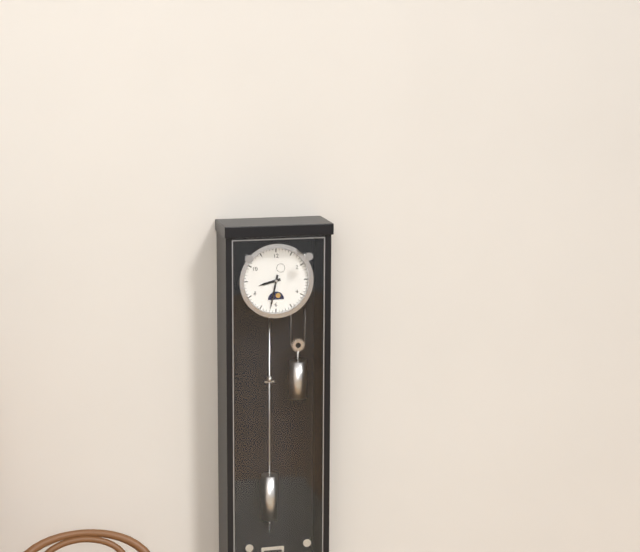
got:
8:32
